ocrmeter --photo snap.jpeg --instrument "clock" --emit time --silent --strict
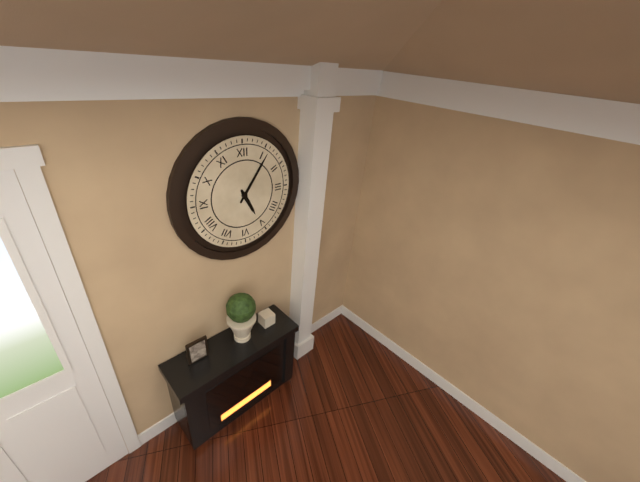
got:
5:06
